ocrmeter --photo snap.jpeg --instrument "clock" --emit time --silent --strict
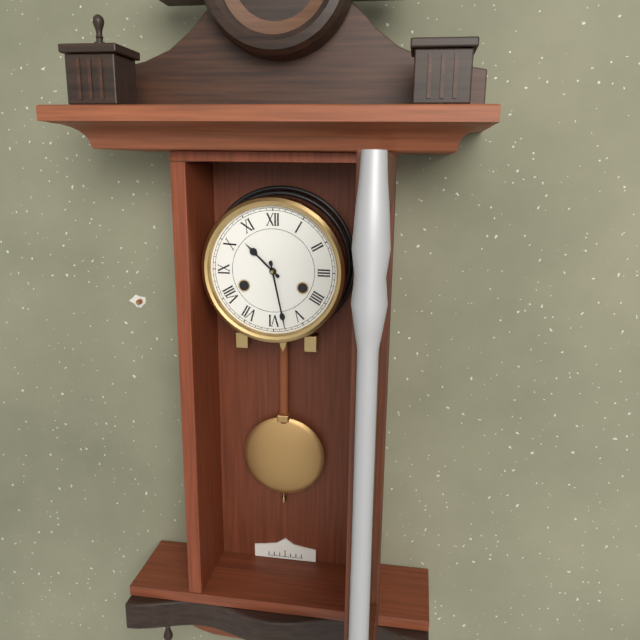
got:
10:28
